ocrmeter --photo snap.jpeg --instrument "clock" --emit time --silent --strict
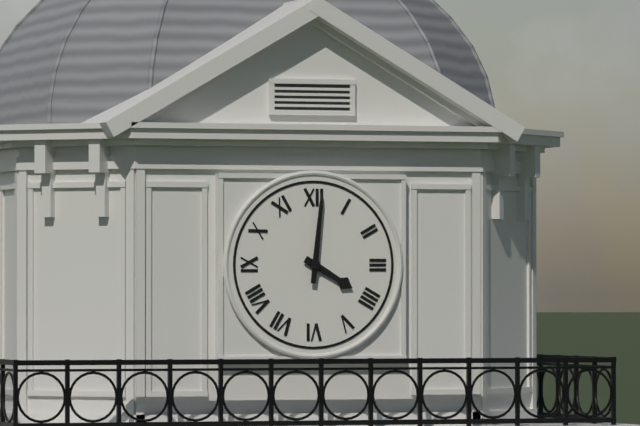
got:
4:01
